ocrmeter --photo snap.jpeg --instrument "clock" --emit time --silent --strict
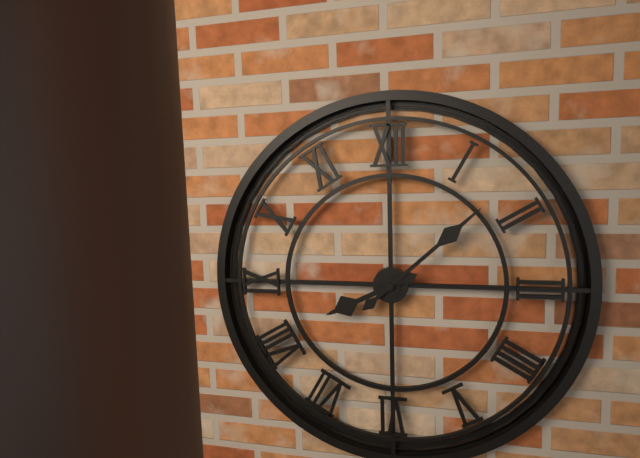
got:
8:08
